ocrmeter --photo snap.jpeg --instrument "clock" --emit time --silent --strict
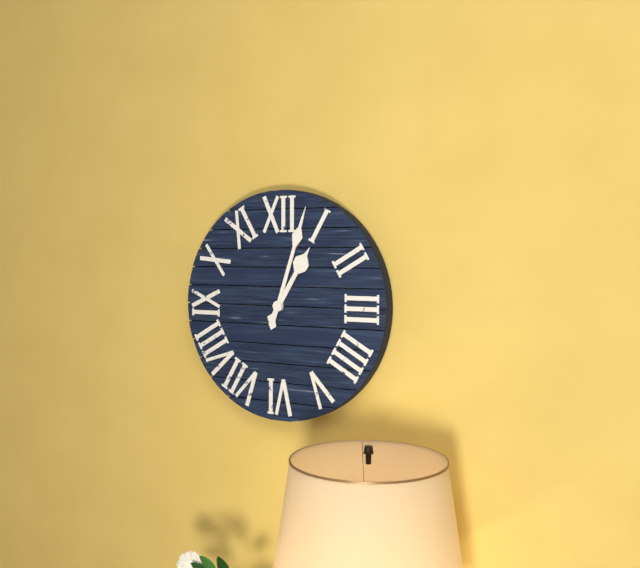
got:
1:03
